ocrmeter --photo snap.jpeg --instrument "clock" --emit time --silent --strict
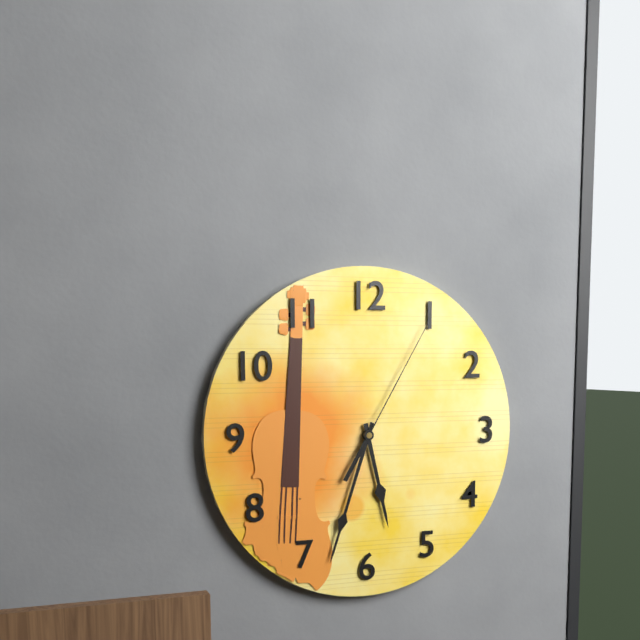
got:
5:33:05
